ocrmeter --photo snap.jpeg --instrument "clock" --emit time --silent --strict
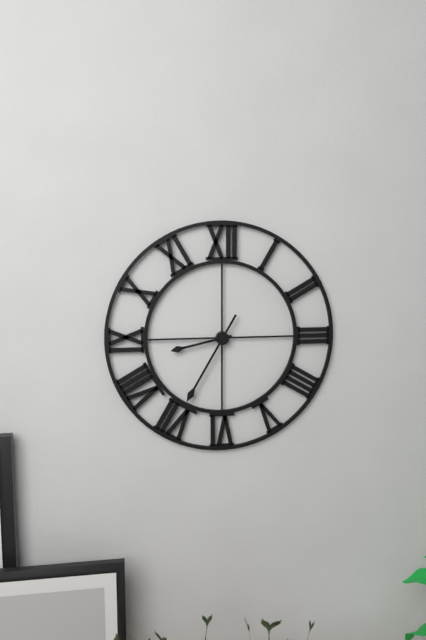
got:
8:35
